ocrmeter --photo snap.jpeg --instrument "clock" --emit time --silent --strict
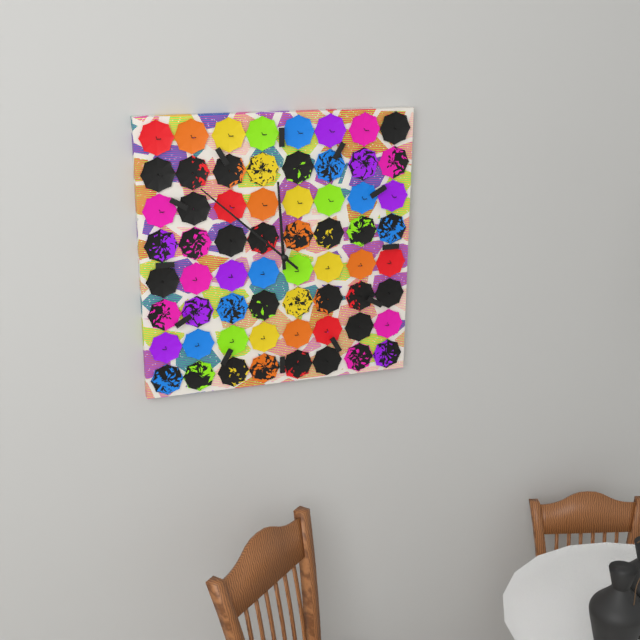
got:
11:52
